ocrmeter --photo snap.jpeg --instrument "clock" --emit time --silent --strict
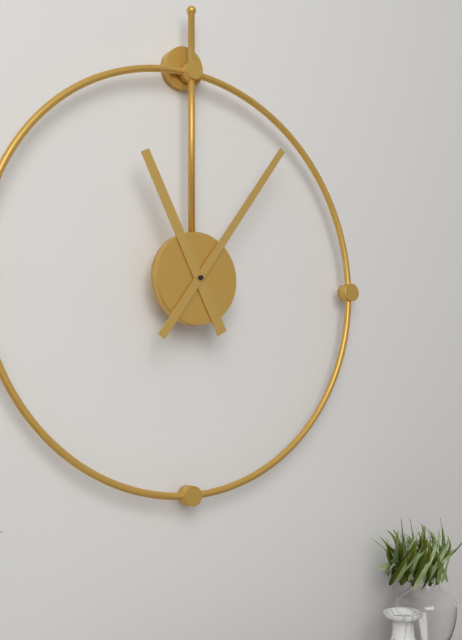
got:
11:06
